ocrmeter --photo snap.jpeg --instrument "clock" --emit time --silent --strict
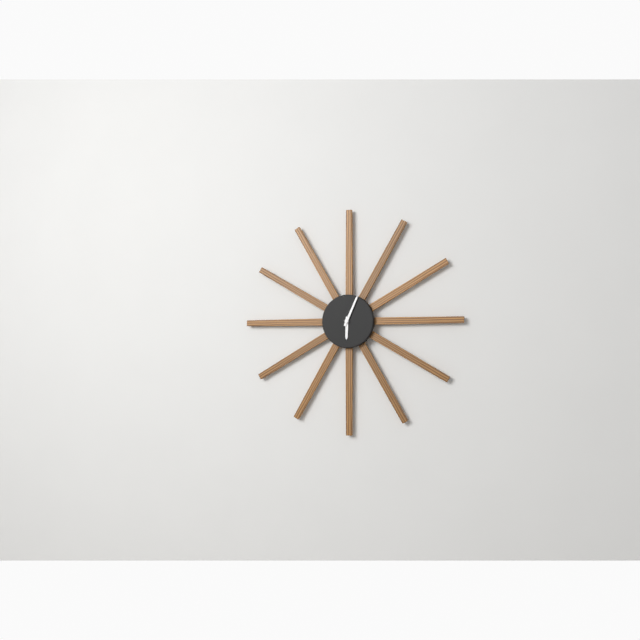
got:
6:04
